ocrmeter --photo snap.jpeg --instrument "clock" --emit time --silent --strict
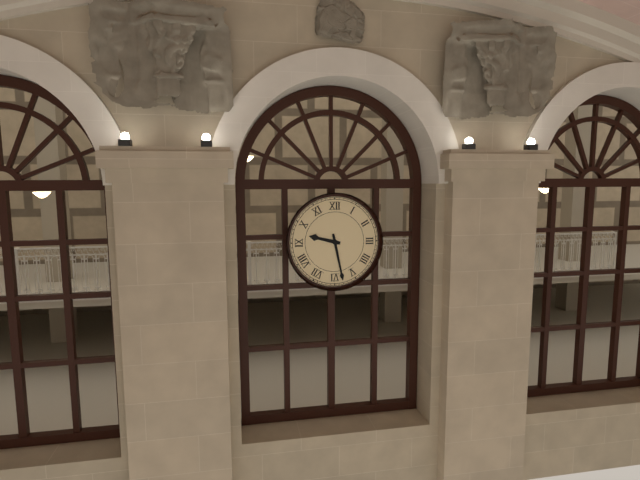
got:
9:28
